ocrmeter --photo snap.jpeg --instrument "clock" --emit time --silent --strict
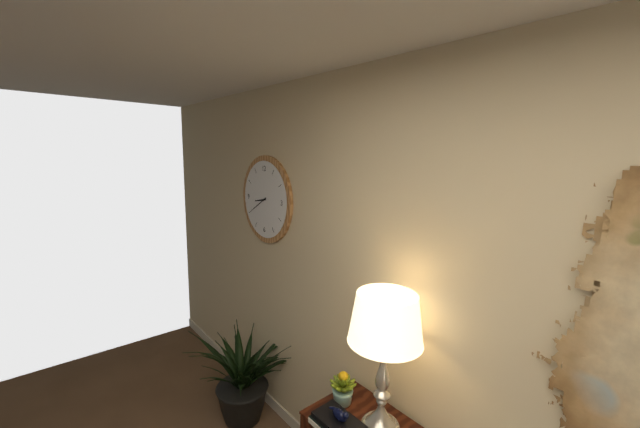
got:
8:40
